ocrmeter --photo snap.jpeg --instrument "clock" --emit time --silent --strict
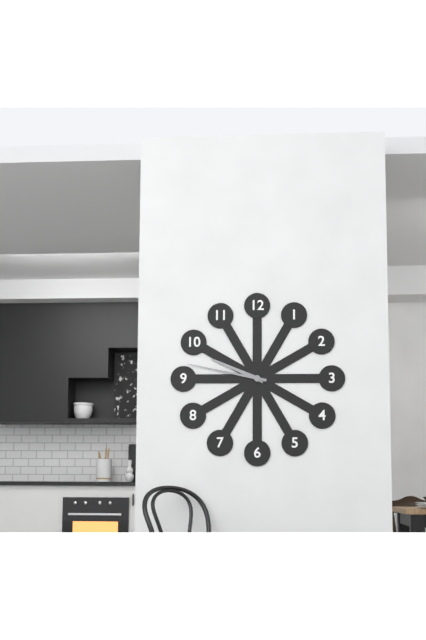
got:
9:47
